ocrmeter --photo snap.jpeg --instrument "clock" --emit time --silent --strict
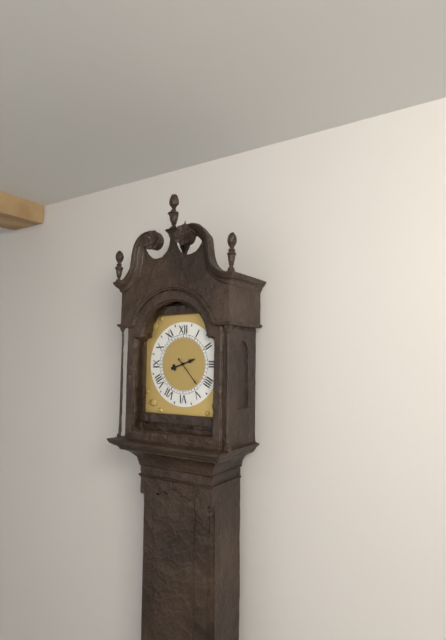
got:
2:23
